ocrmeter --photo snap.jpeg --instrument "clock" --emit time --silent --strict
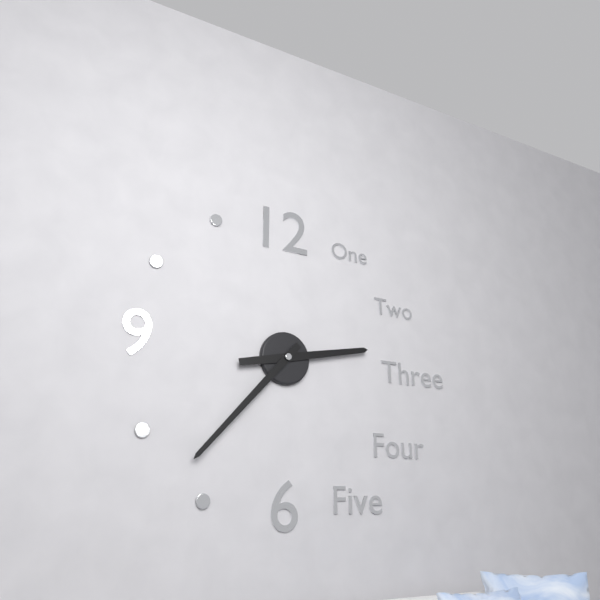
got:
2:37
